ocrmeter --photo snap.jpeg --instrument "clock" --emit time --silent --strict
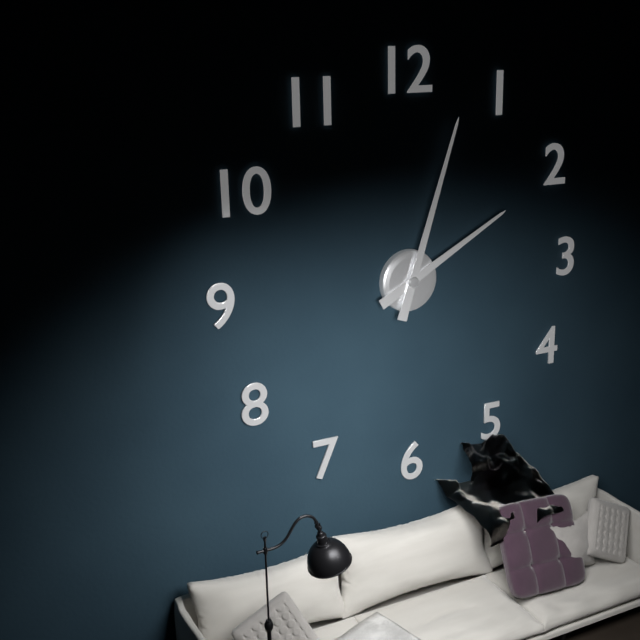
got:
2:03
